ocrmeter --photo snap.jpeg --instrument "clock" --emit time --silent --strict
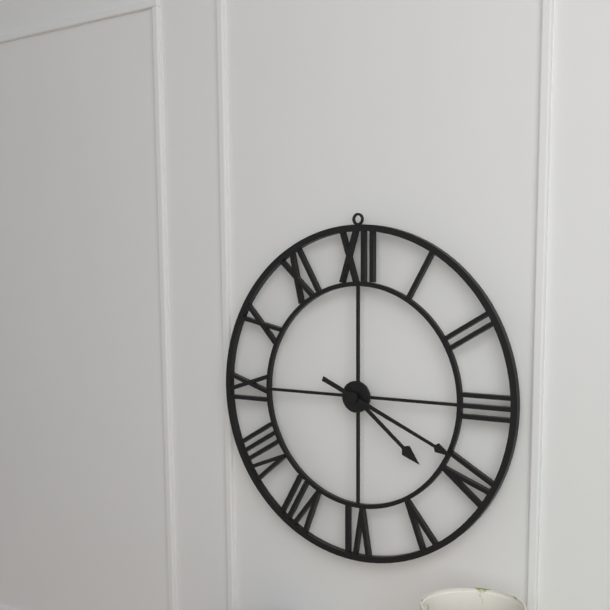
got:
4:19
